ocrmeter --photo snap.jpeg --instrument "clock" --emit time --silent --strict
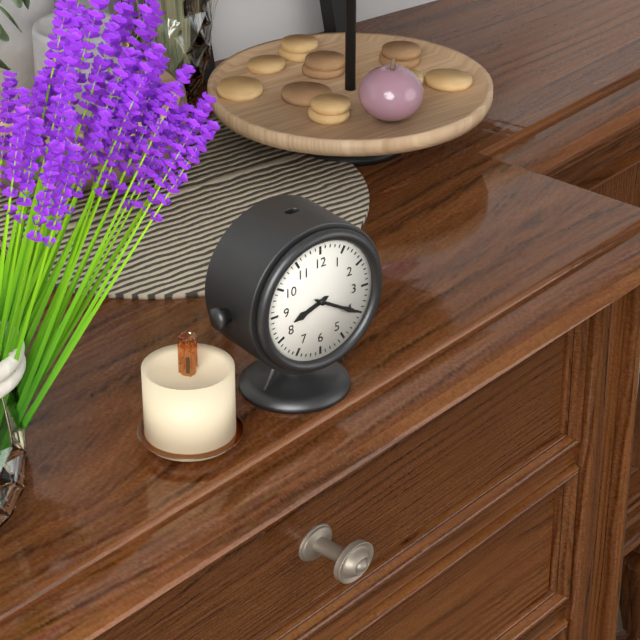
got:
8:20
